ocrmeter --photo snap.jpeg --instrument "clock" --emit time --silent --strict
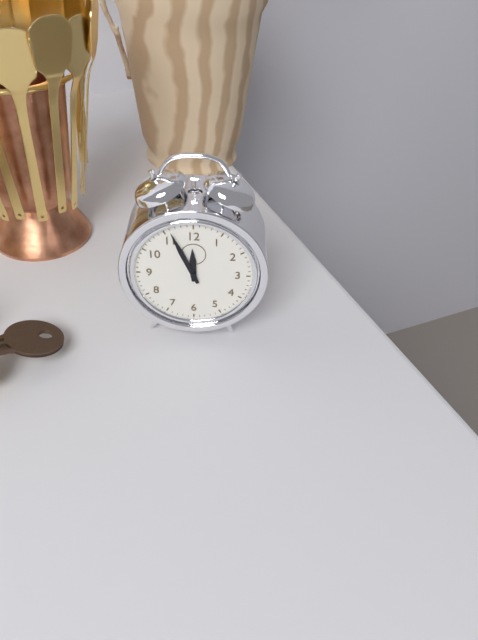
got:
11:56
